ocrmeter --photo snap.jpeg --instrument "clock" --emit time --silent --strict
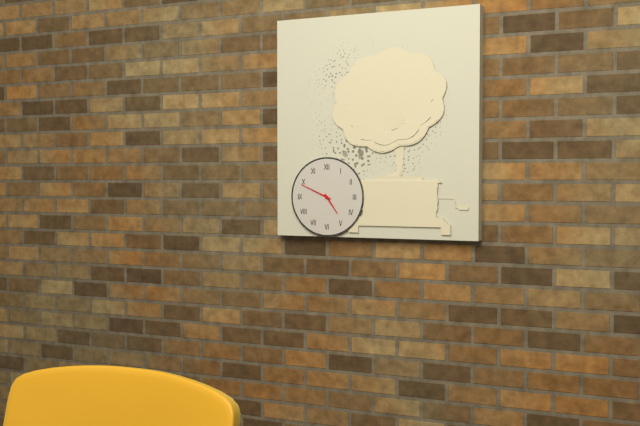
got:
4:49
